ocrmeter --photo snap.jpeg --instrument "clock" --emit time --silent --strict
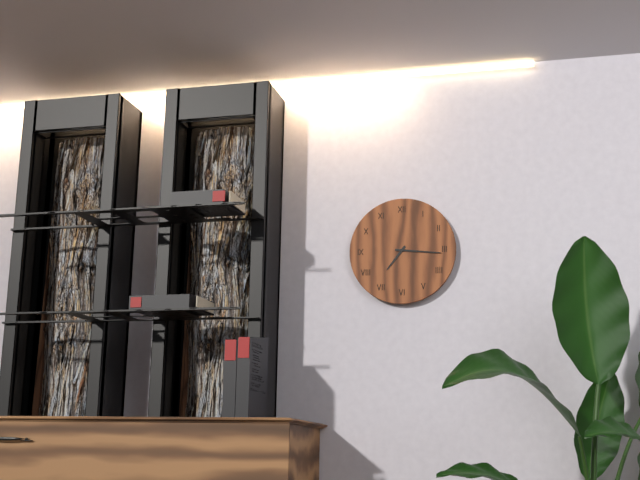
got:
7:16
